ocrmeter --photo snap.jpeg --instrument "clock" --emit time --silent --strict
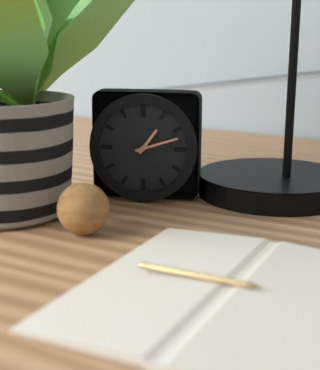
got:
1:12
